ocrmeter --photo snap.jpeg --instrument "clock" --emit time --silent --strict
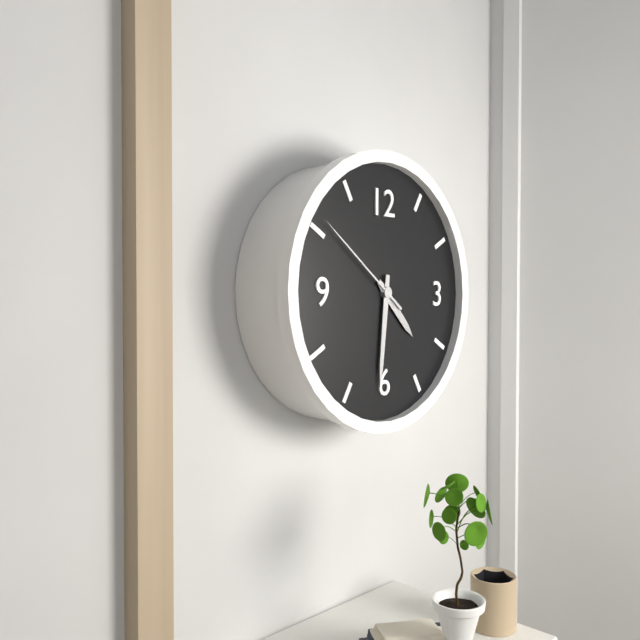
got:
4:31:51
